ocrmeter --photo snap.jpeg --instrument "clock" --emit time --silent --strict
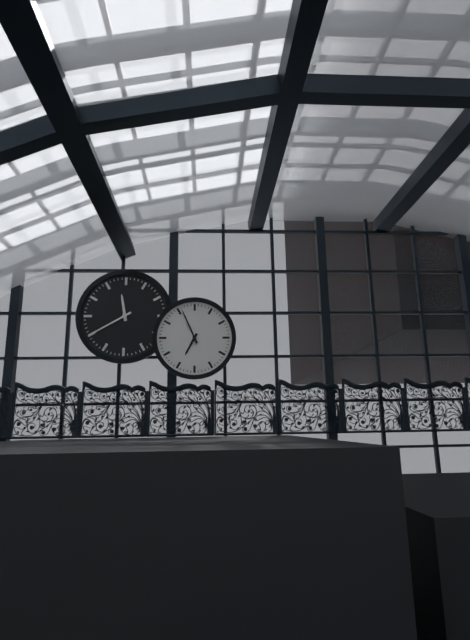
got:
6:56
